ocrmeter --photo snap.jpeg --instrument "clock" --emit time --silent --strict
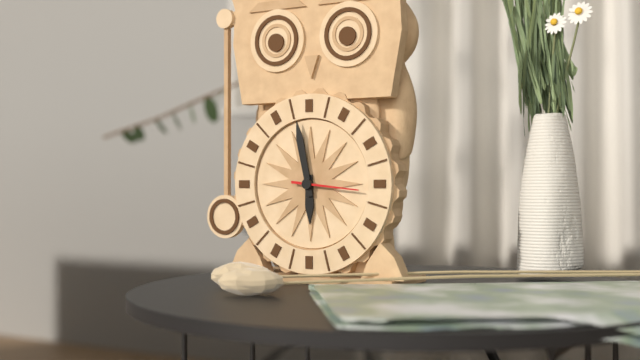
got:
5:58:16
